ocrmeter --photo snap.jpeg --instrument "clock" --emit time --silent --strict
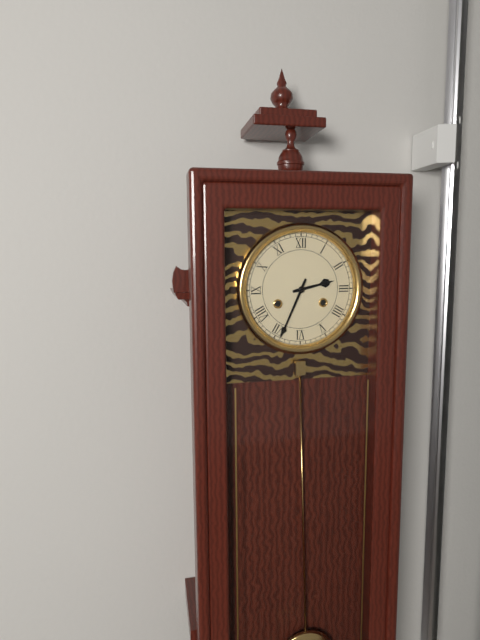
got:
2:34
